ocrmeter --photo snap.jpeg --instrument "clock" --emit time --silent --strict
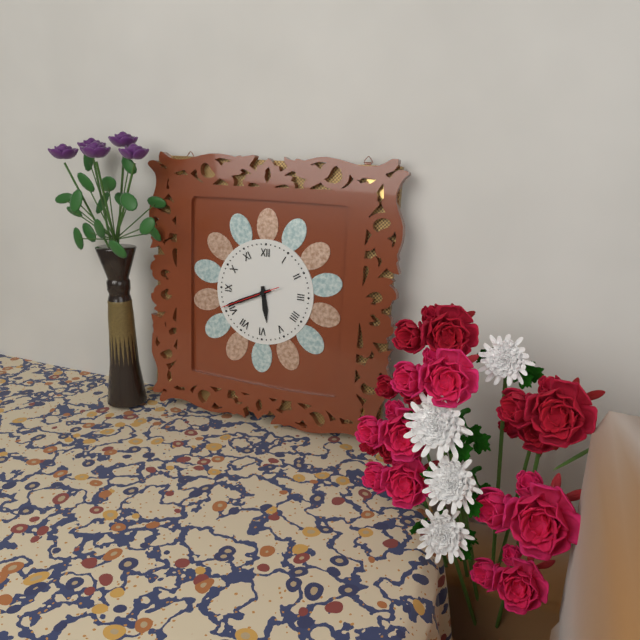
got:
5:41:41
